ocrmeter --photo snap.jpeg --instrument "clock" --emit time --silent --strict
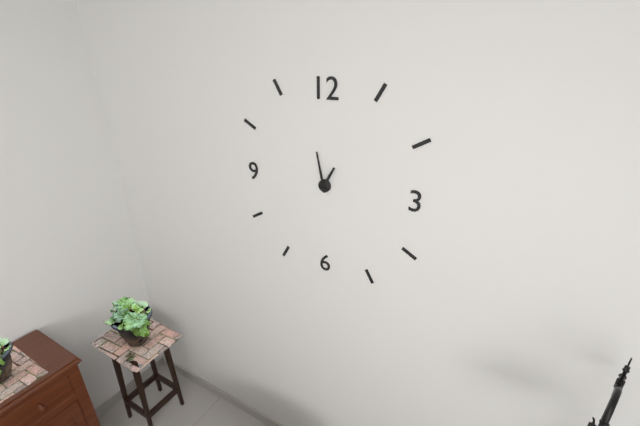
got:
12:58
